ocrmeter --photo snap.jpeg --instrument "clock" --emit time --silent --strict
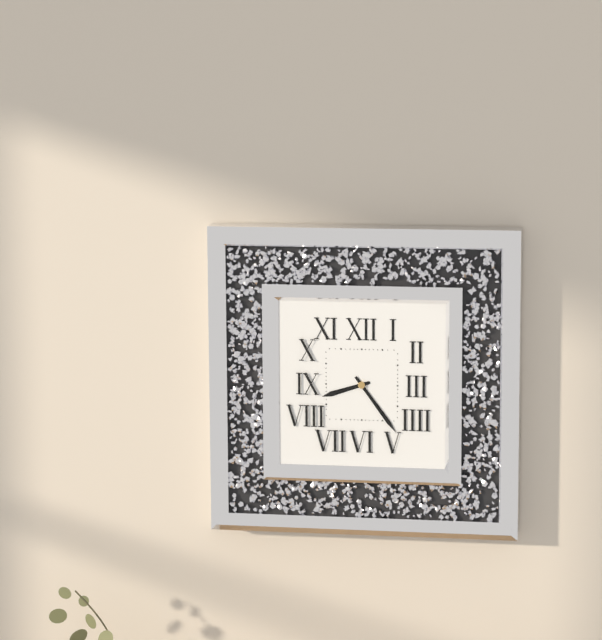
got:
8:24
